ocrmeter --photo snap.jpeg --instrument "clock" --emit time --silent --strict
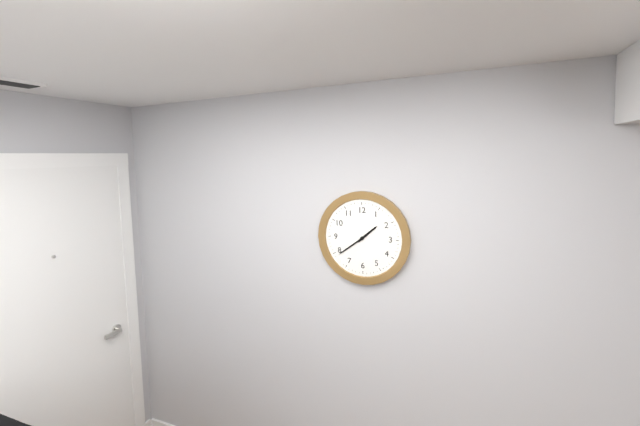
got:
1:39
